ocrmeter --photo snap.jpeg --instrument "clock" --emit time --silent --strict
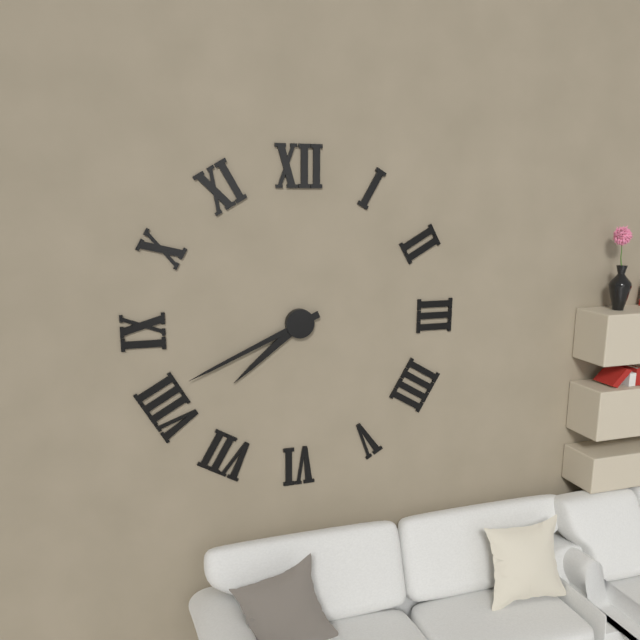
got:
7:41
